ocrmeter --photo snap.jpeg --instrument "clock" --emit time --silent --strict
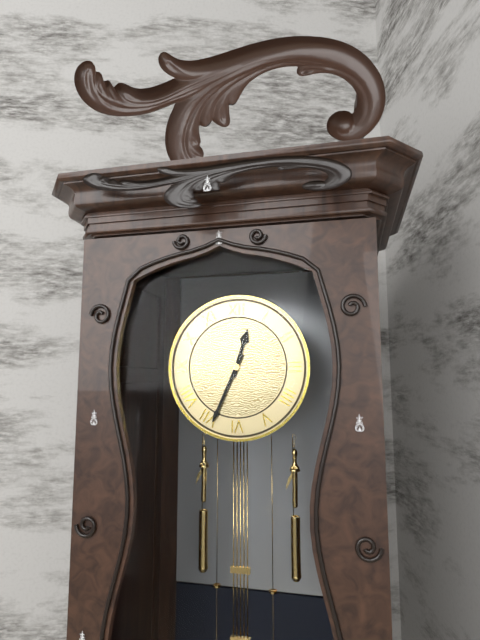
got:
12:34
